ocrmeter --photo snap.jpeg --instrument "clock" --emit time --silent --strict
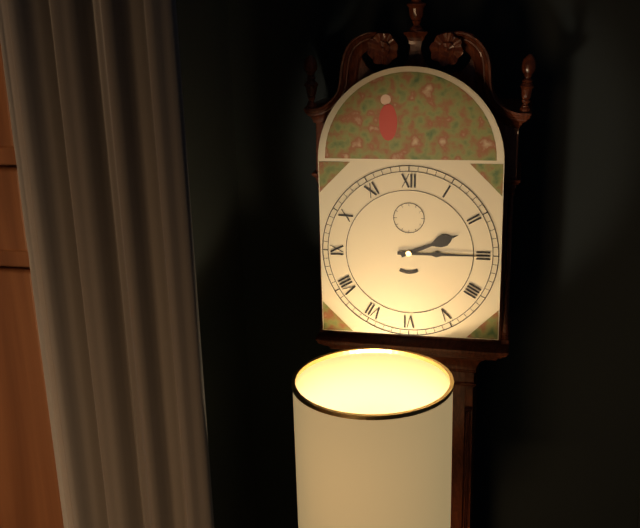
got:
2:15
